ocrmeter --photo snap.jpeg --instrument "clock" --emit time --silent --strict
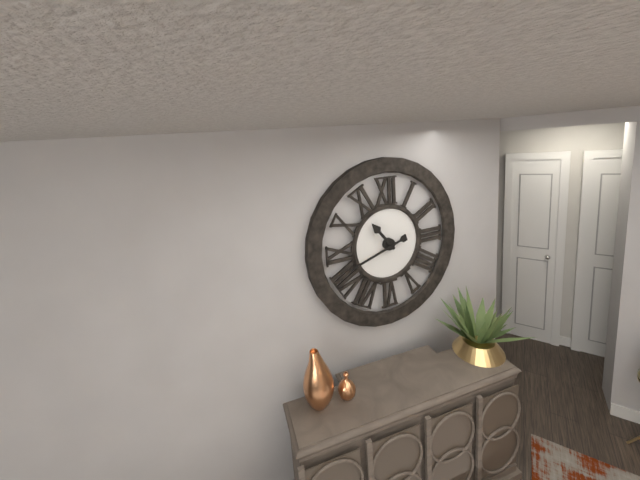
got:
10:42
